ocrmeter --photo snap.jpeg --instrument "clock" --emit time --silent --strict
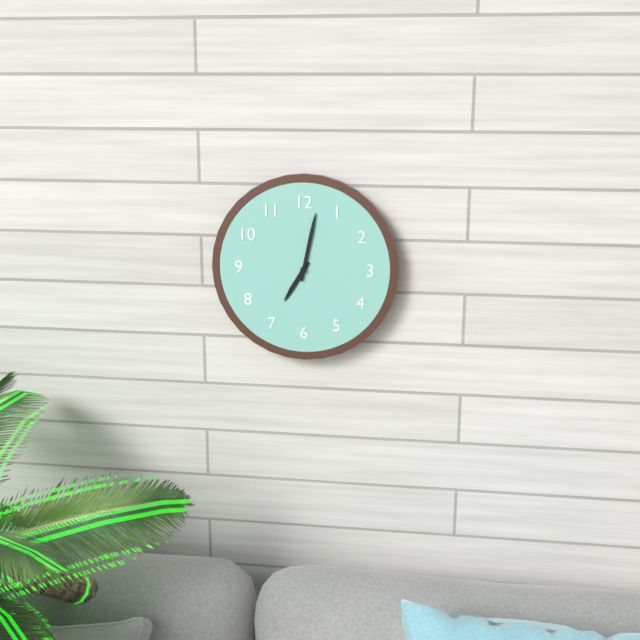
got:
7:02
